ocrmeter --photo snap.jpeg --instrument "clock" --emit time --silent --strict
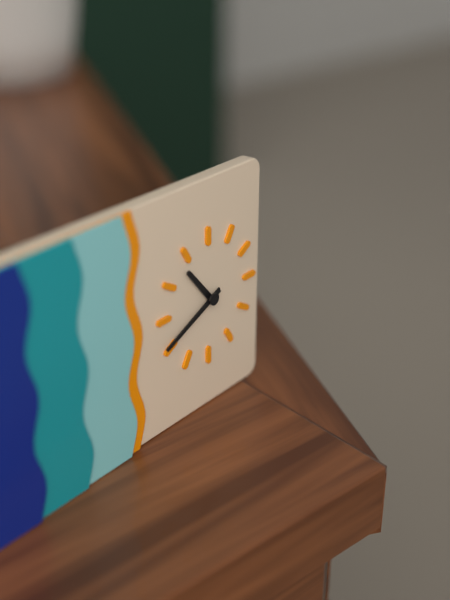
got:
10:41
